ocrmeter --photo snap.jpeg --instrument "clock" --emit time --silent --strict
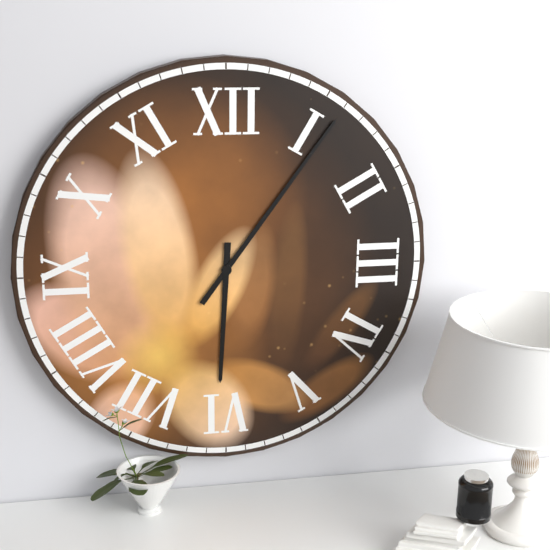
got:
6:06
